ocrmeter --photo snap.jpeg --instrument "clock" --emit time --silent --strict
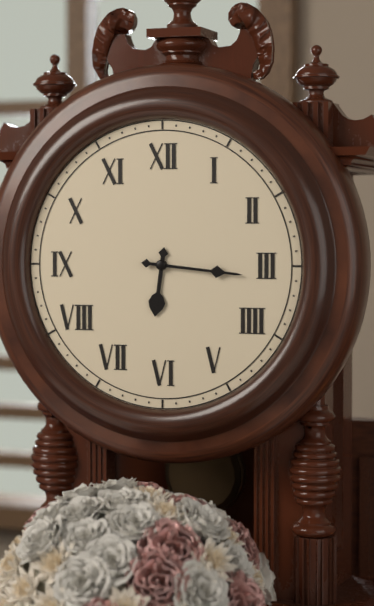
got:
6:16
